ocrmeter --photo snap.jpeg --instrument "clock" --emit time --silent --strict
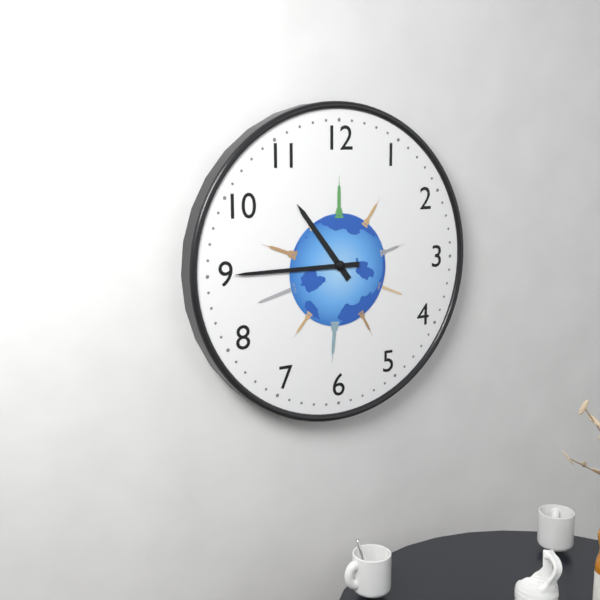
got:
10:45
